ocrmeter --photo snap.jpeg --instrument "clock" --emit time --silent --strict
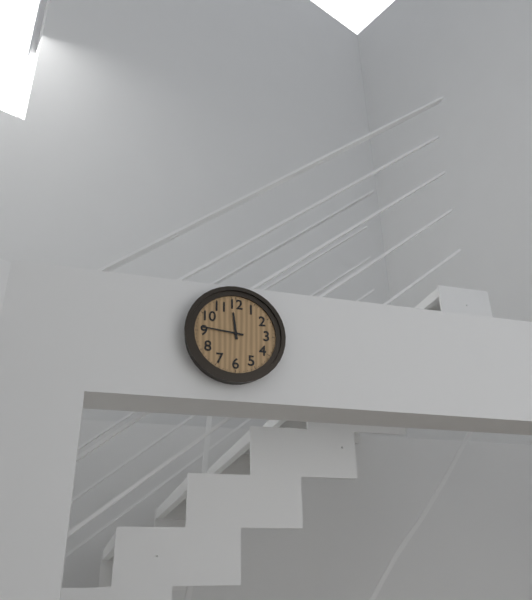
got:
11:46
